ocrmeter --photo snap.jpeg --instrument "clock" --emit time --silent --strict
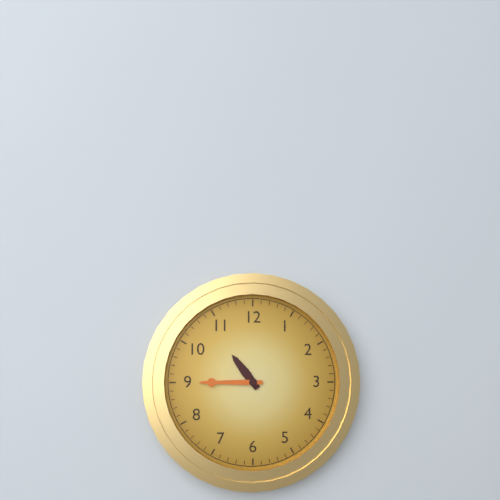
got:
10:45
